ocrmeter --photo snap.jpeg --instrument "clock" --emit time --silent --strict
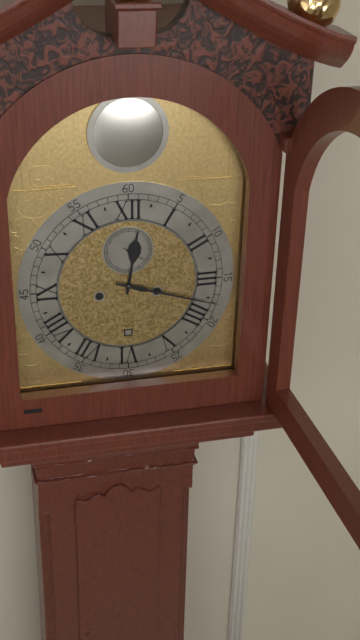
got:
12:18
